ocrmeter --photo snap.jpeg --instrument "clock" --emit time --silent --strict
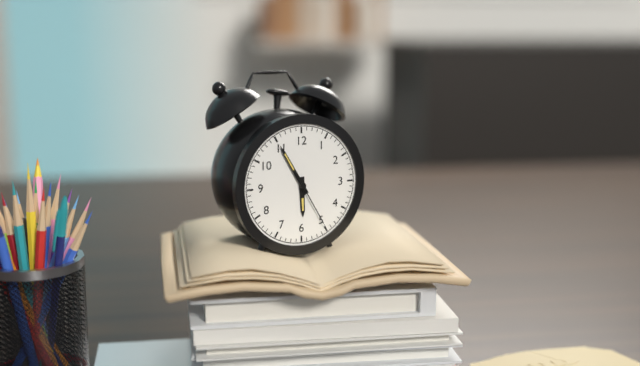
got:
5:55:25
